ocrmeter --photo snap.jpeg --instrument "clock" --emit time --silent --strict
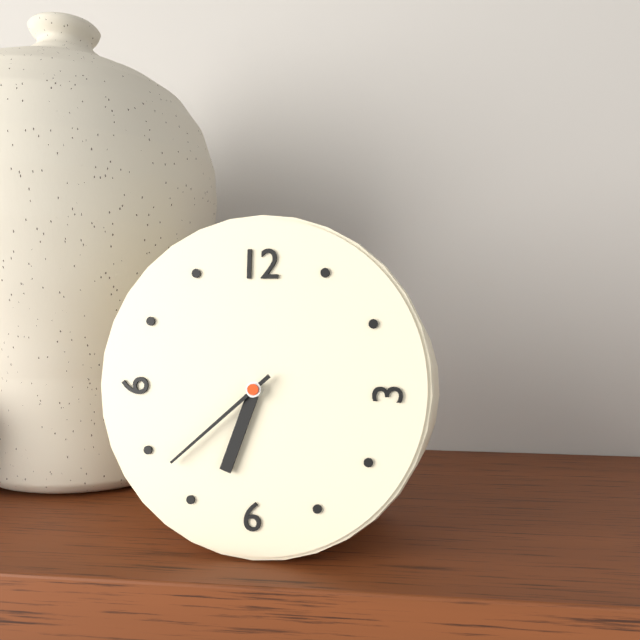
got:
6:38
